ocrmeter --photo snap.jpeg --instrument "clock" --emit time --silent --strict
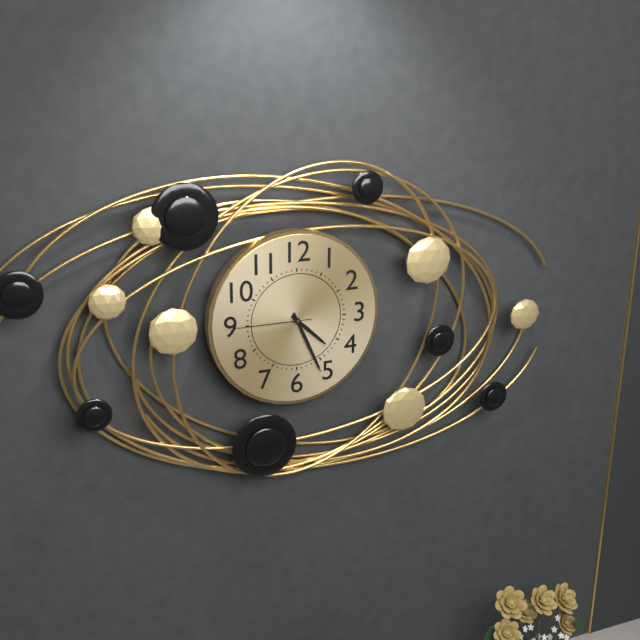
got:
4:26:45
